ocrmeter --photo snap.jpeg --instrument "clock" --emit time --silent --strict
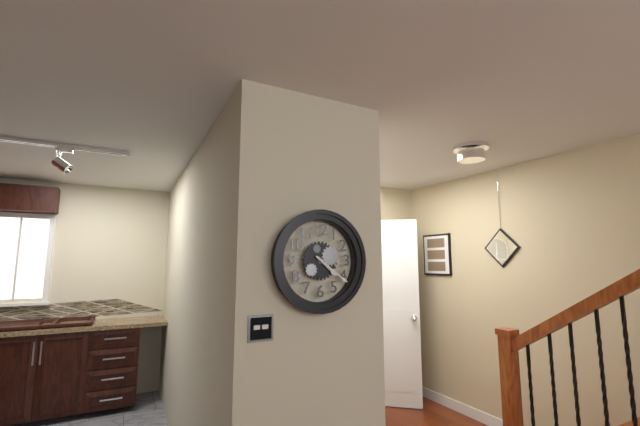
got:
4:21
